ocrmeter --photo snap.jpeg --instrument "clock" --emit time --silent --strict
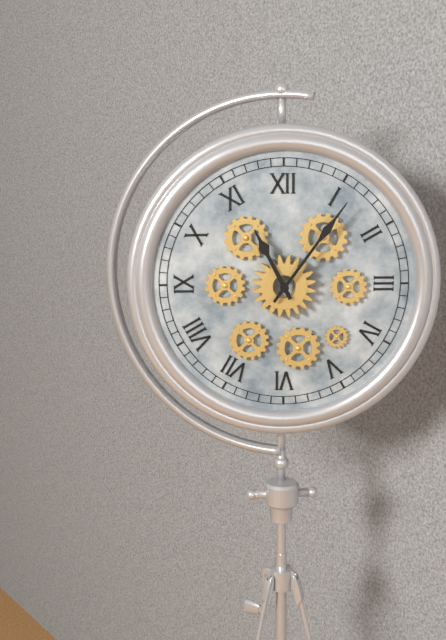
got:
11:06
